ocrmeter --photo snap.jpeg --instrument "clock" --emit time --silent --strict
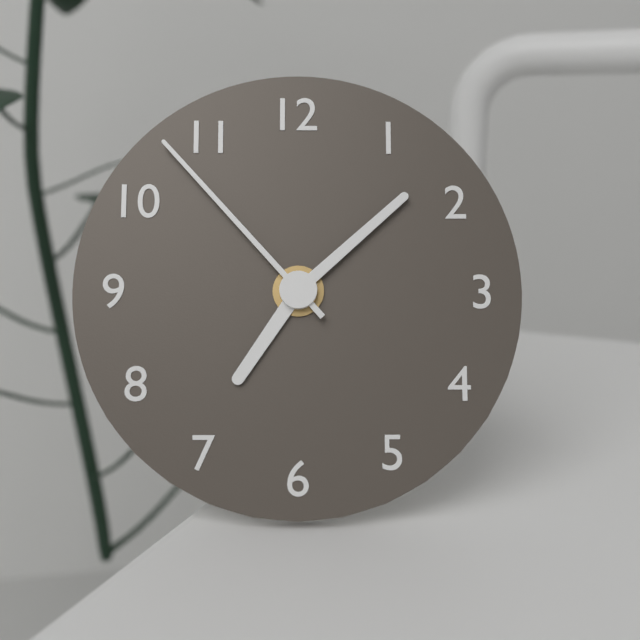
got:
7:08:53
